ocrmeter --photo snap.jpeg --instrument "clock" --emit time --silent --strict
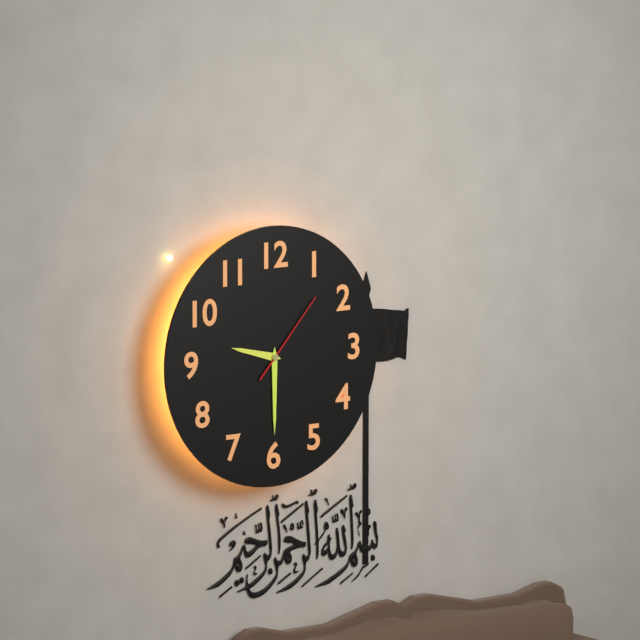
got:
9:30:07
